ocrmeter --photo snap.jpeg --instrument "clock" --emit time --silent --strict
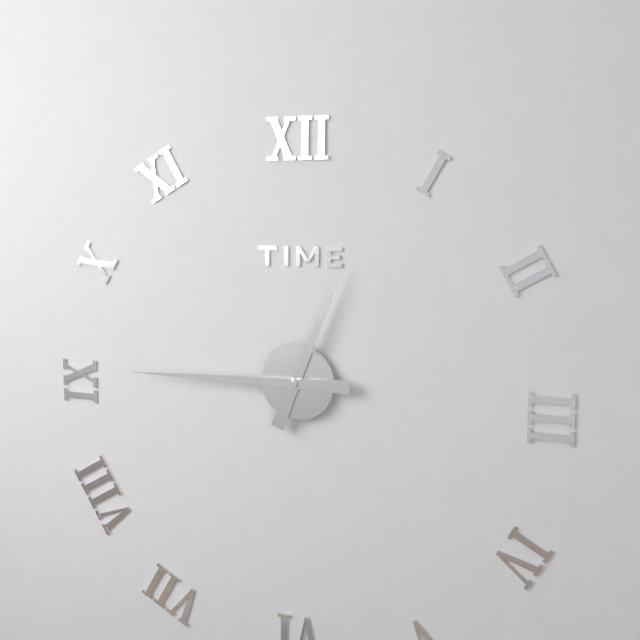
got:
12:45
